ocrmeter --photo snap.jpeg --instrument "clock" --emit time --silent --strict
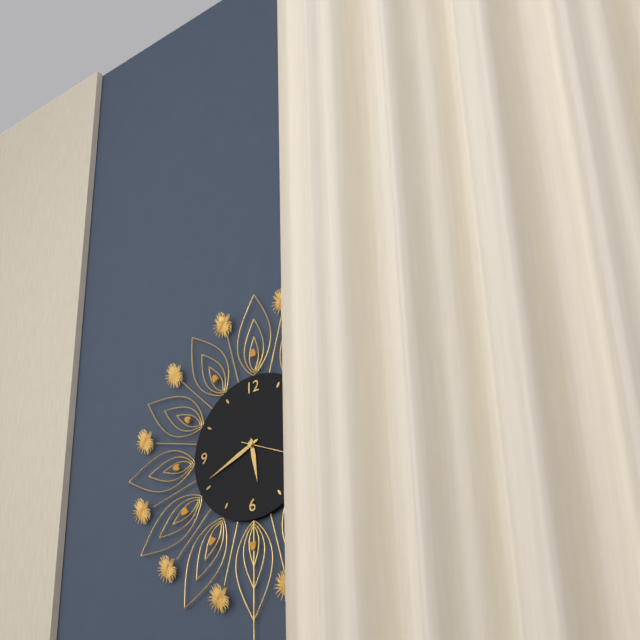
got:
5:41:19
